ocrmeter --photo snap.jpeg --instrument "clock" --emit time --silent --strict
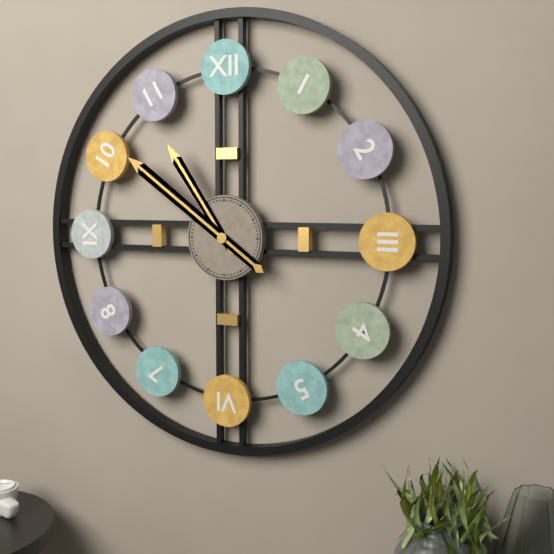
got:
10:51
